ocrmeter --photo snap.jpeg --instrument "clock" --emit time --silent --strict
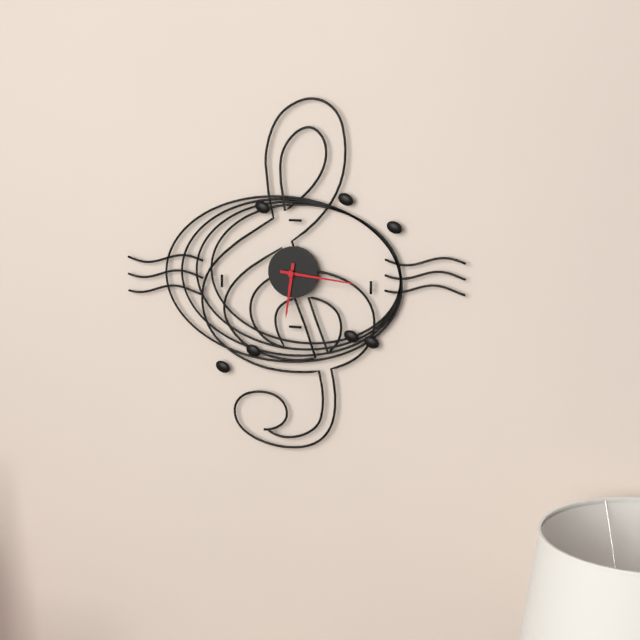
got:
6:16
